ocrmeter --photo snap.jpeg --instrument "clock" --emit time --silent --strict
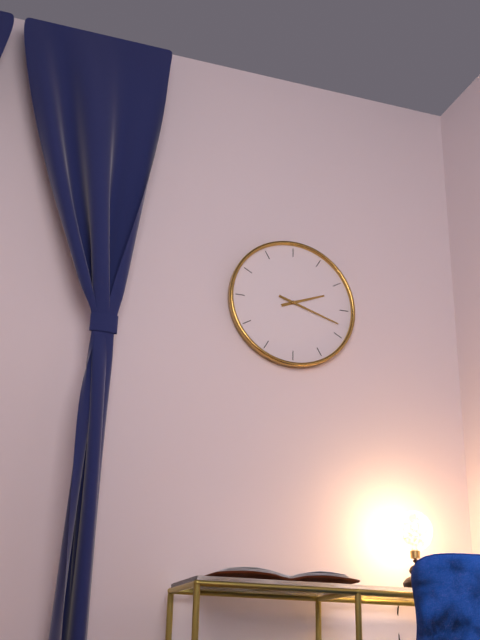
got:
2:18
